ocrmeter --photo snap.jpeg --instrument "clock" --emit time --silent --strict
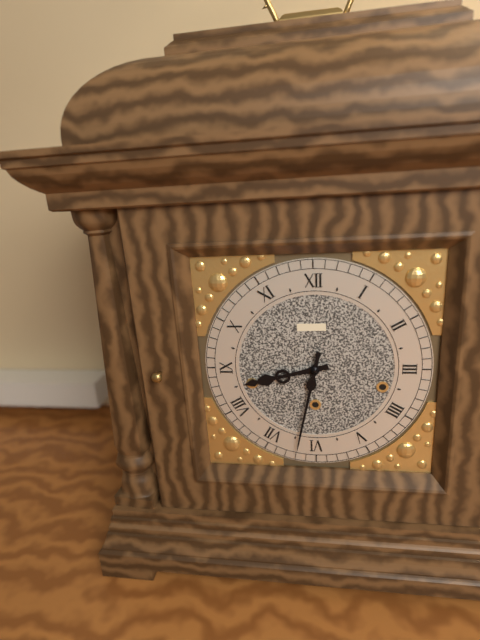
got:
8:32
